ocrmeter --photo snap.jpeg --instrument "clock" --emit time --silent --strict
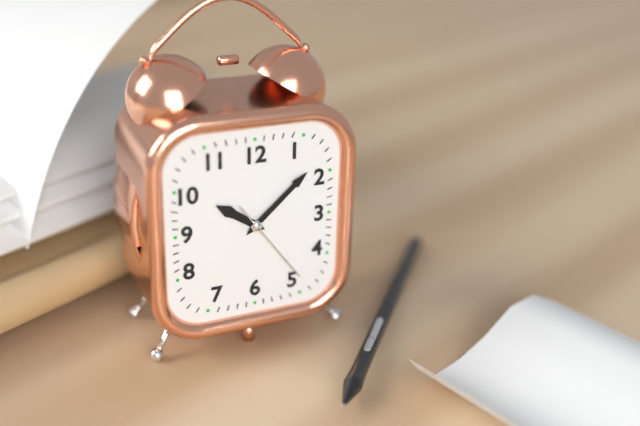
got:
10:08:24
